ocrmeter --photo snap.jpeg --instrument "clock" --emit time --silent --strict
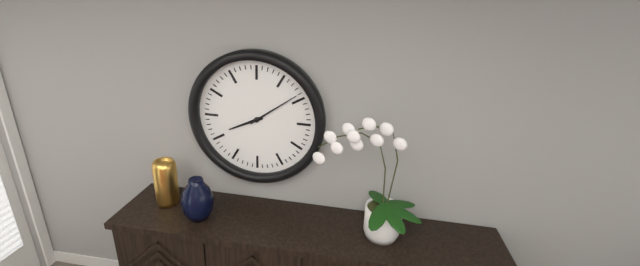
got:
8:09
